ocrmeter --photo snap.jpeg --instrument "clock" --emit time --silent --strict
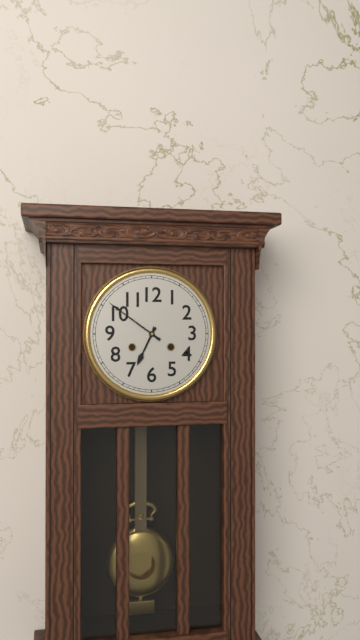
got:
6:51
